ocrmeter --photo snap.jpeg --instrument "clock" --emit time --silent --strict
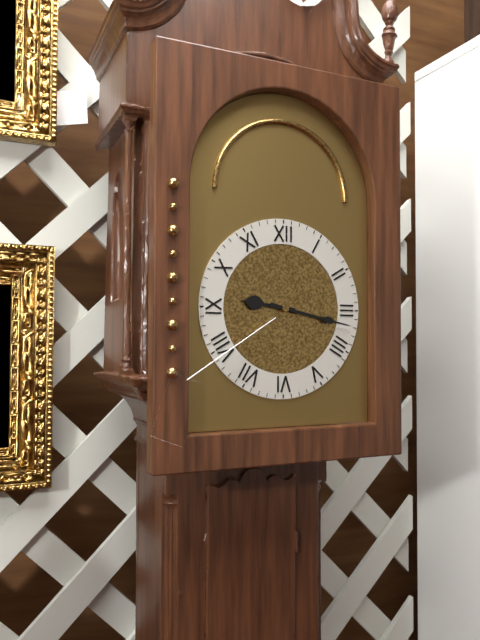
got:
9:17
